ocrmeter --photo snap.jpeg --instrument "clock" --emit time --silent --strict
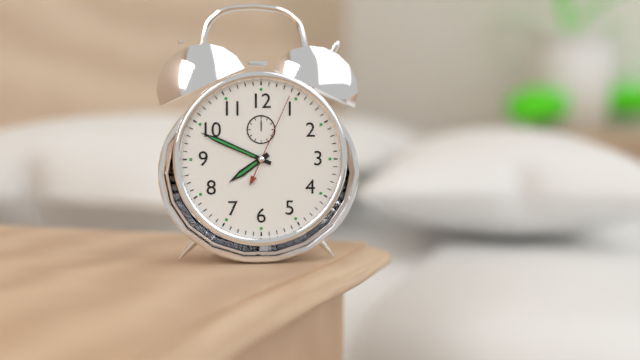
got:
7:49:04
